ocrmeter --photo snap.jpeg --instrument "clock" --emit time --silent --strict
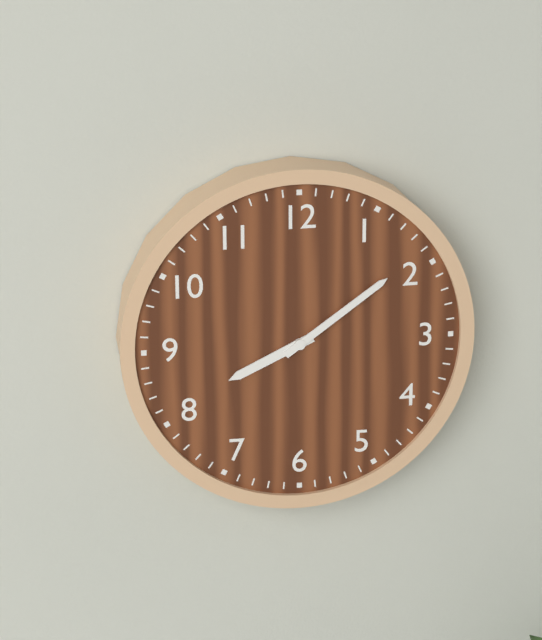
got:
8:09
